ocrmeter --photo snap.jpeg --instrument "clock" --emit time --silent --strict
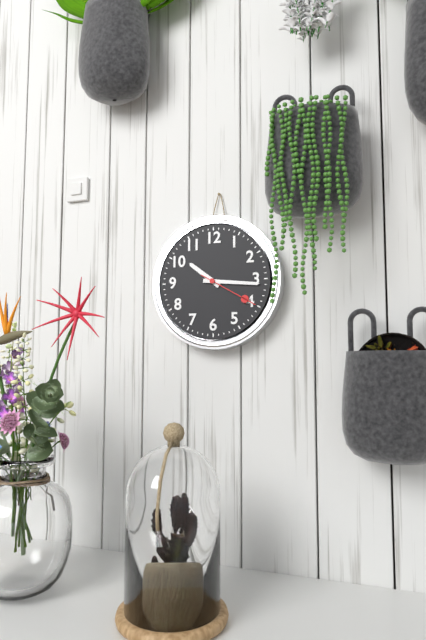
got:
10:16:20
